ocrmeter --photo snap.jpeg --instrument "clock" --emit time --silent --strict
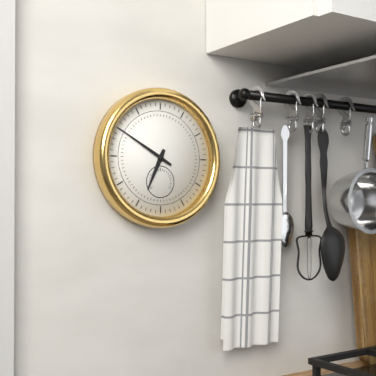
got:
6:50
